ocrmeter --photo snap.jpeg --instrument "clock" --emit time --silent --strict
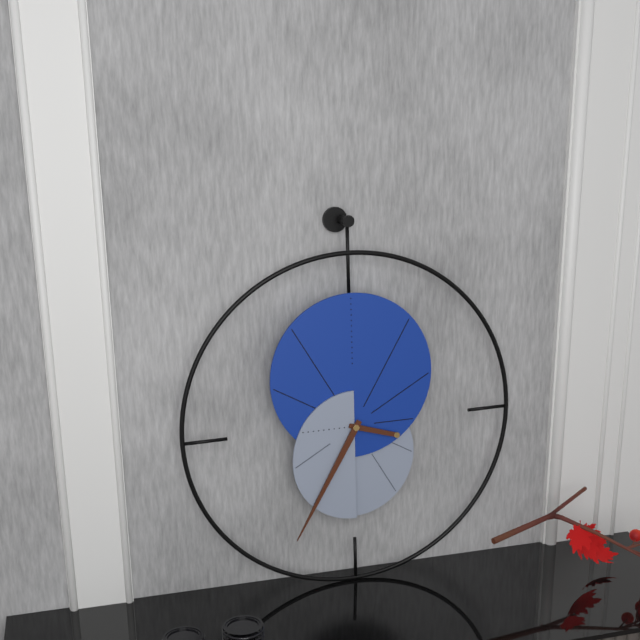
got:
3:35
